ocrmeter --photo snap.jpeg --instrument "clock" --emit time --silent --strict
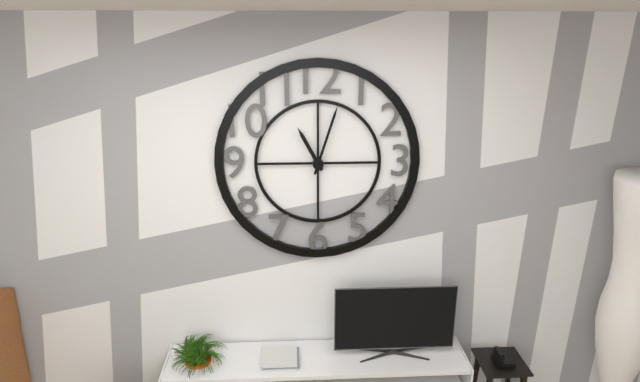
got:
11:03
